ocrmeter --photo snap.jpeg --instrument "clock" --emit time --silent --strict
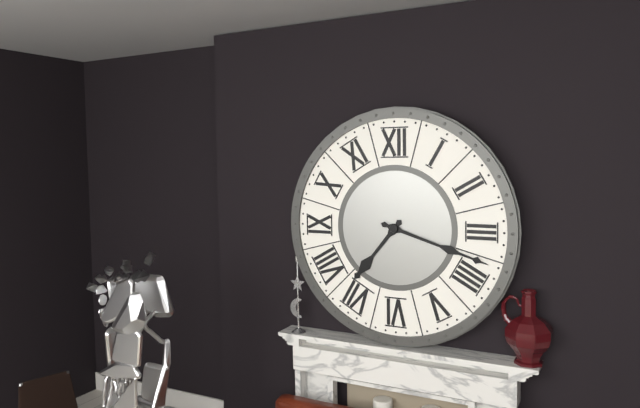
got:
7:18
